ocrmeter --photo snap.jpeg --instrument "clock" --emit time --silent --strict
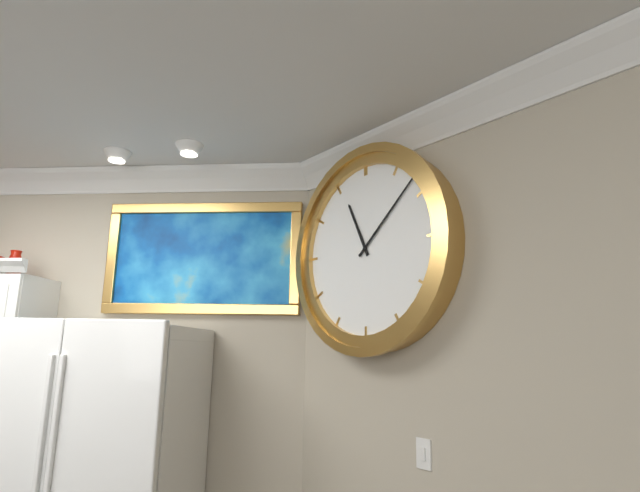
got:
11:08
